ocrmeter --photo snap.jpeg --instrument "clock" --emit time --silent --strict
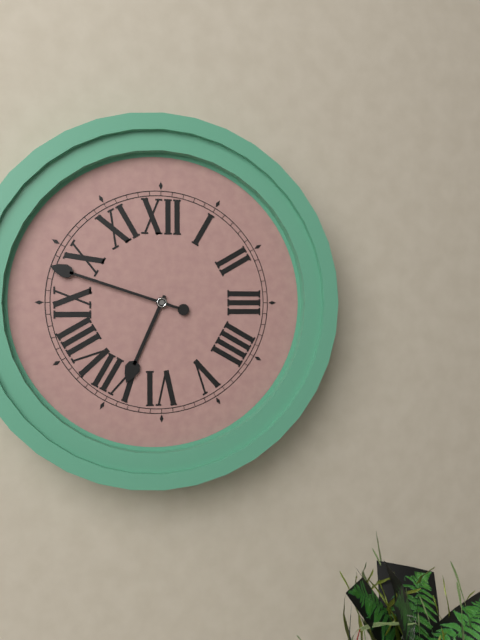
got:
6:48
